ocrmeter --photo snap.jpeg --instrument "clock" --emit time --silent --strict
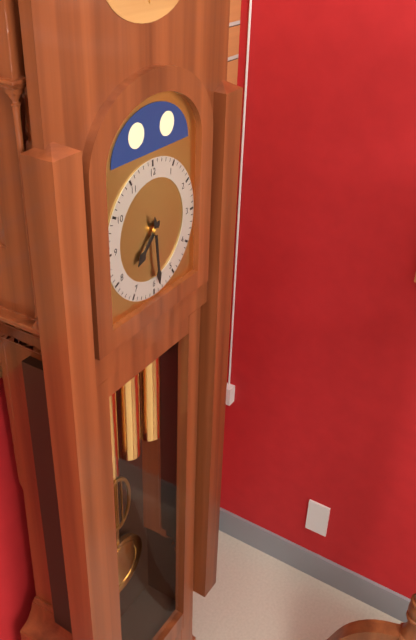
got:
7:29
